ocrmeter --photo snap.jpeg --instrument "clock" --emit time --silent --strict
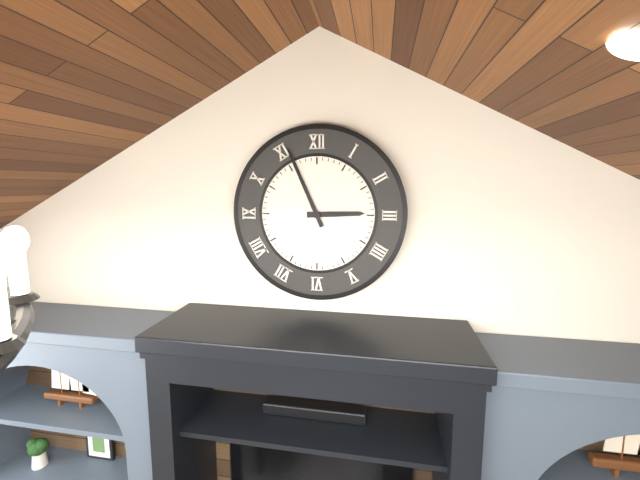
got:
2:56
